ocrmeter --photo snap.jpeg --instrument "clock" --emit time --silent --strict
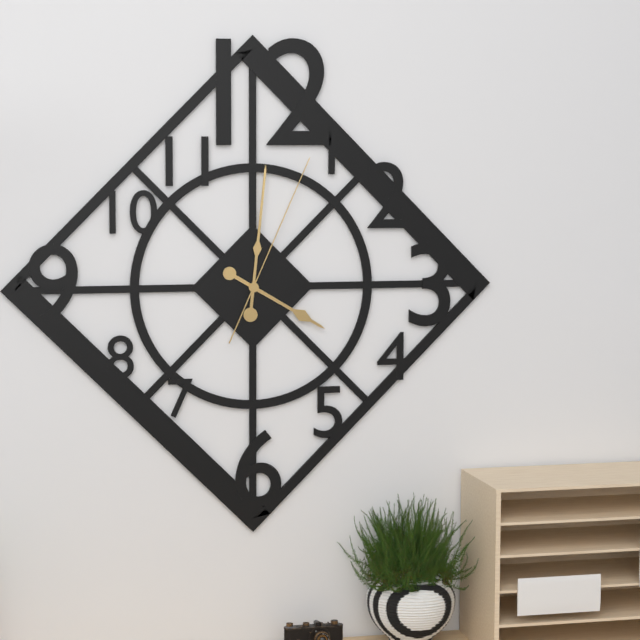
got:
4:01:04
